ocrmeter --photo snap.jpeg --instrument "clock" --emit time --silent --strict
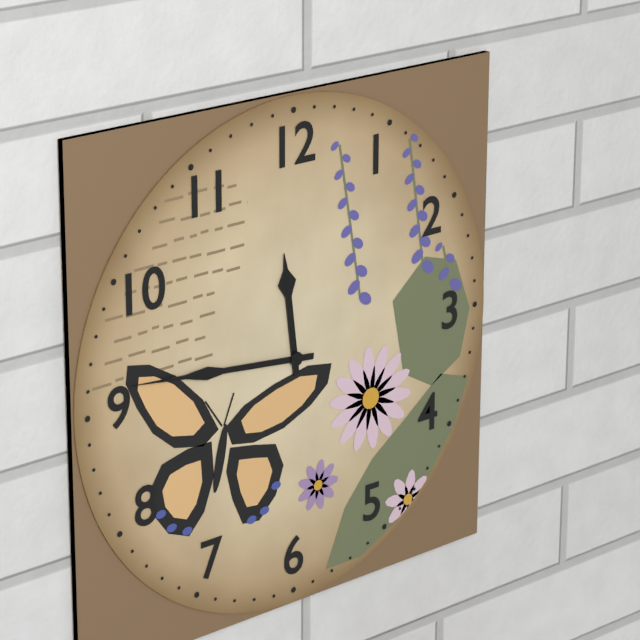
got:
11:46
